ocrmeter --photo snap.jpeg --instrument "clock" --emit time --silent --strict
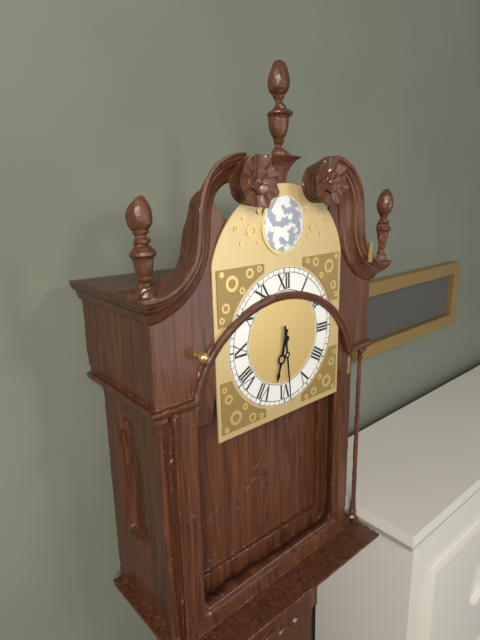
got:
6:29
